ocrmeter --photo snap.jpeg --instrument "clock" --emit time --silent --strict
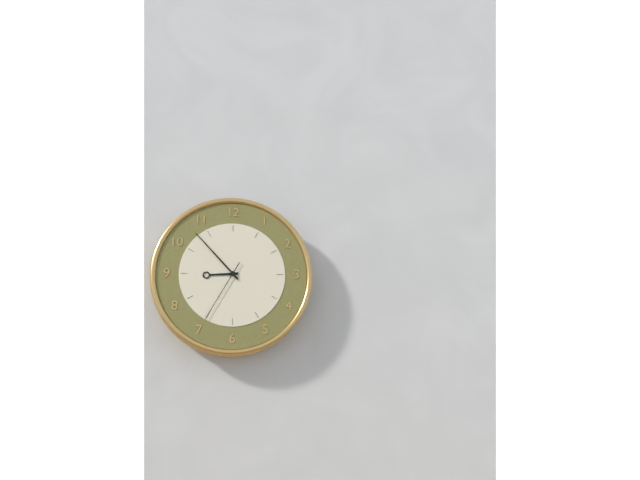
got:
8:53:35
